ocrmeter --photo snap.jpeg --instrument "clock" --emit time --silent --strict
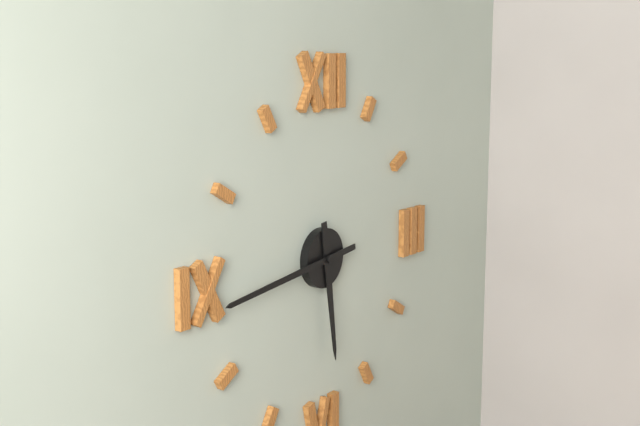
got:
5:44
